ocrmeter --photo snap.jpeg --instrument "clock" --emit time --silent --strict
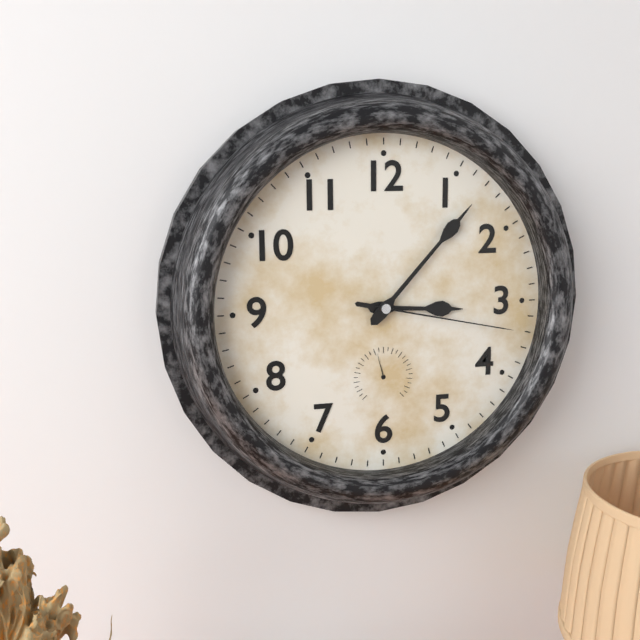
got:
3:07:17
